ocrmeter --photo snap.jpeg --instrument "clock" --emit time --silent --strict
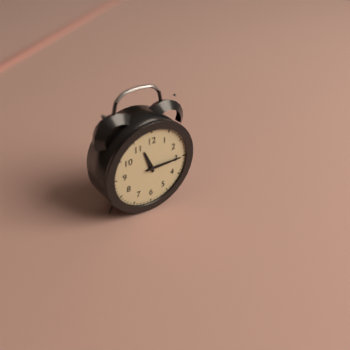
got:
11:15
